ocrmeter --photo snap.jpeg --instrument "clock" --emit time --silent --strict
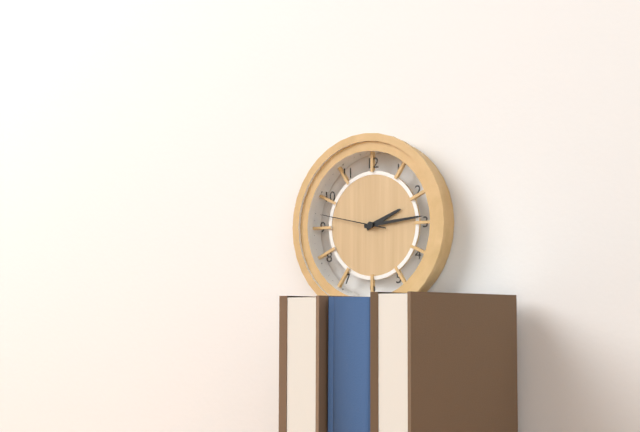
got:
2:14:47
